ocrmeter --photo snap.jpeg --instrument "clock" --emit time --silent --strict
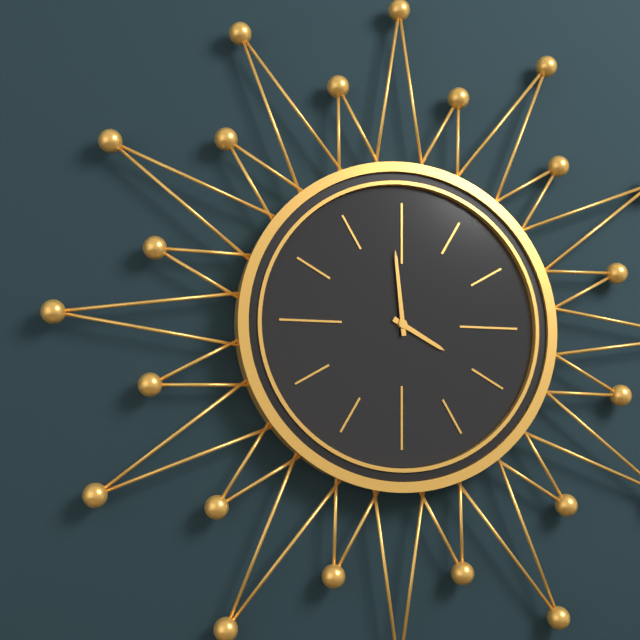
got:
3:59
